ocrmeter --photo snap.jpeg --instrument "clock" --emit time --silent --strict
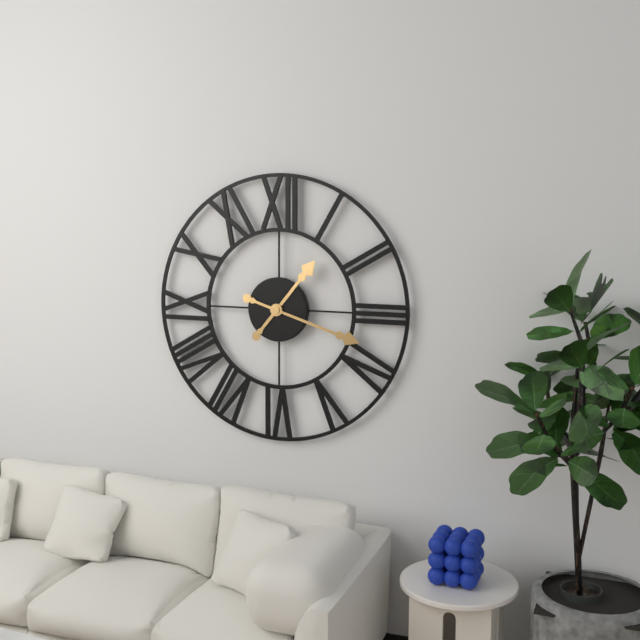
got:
1:18
